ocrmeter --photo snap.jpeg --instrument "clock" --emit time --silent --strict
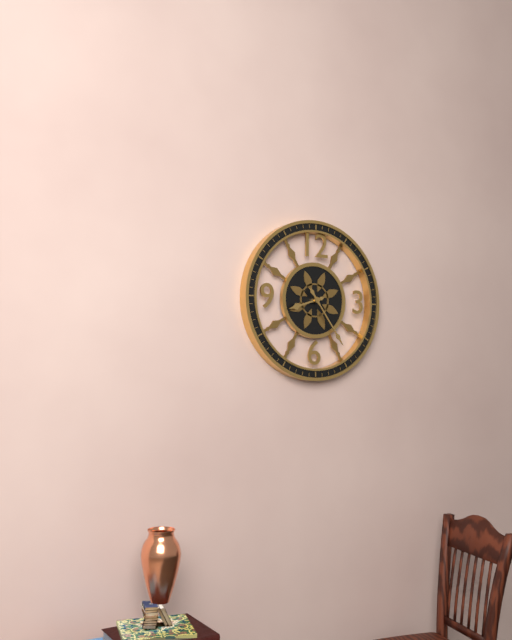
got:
8:24
